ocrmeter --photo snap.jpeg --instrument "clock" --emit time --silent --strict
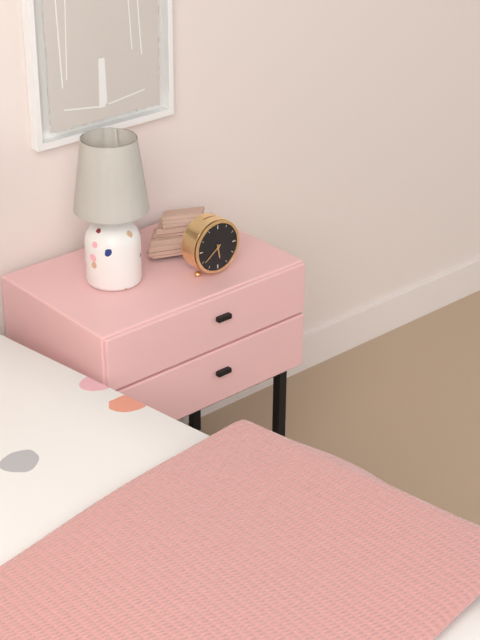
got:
5:39
